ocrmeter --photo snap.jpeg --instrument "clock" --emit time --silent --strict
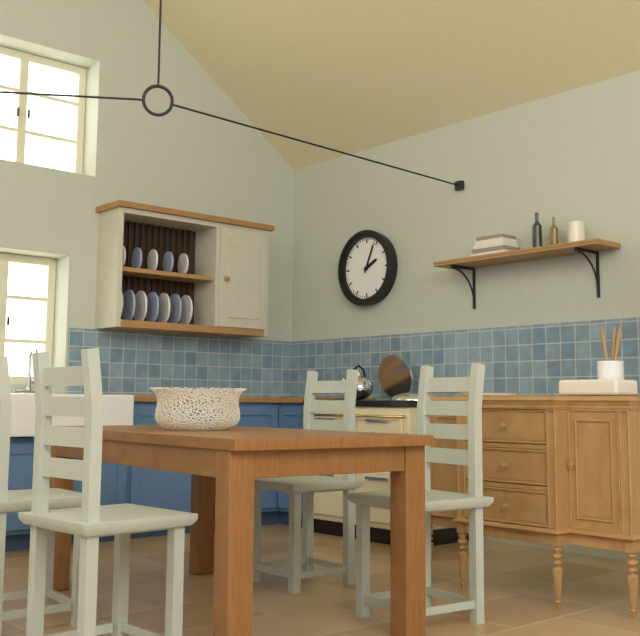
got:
2:04
